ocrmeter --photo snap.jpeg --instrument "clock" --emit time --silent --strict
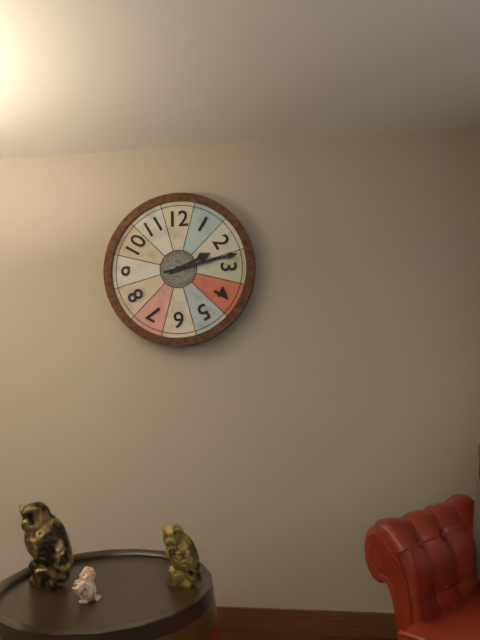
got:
2:13
